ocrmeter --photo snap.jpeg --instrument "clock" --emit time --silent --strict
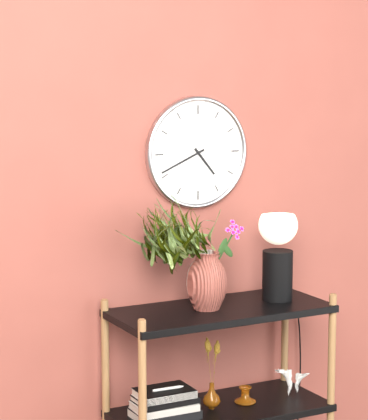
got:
4:41
